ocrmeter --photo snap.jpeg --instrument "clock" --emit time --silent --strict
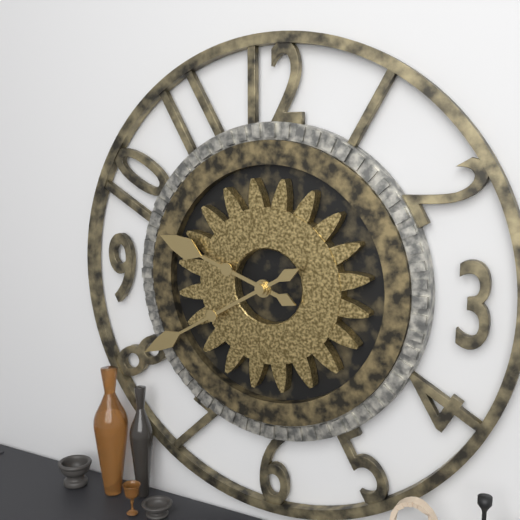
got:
9:40
